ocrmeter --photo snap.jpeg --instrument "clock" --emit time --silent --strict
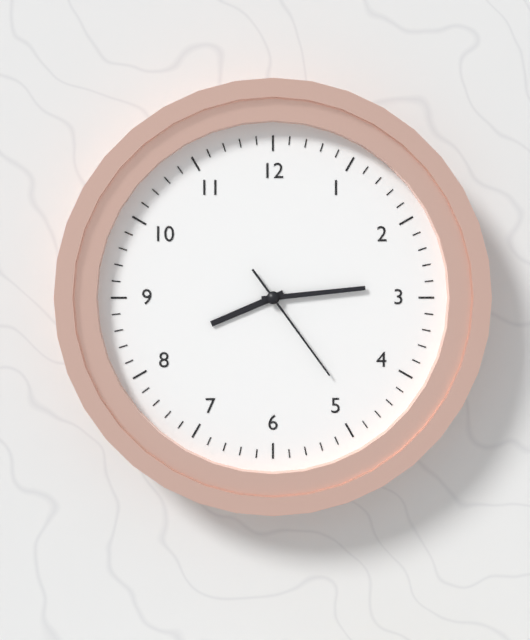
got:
8:14:24
